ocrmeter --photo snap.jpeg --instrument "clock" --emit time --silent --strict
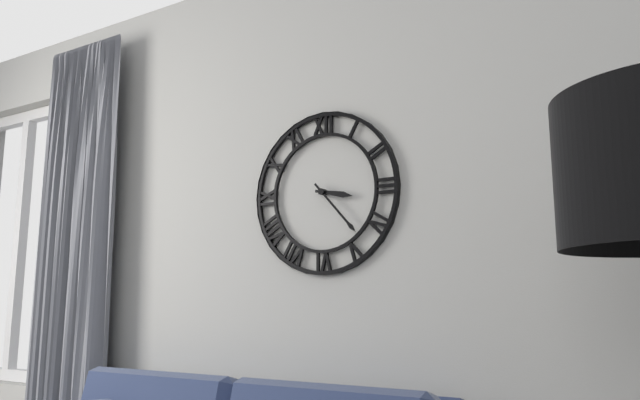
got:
3:23
